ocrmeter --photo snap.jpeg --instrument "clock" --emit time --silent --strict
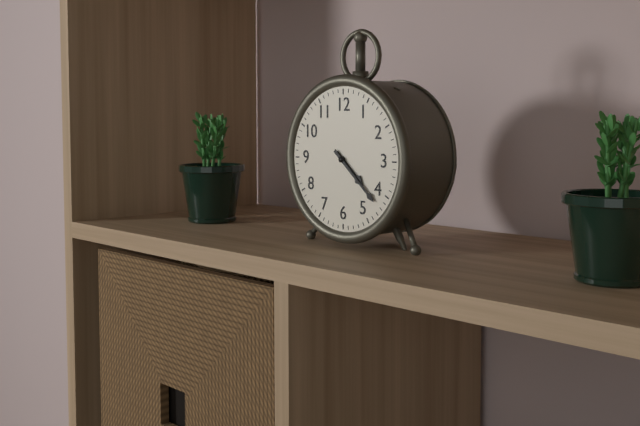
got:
4:22
